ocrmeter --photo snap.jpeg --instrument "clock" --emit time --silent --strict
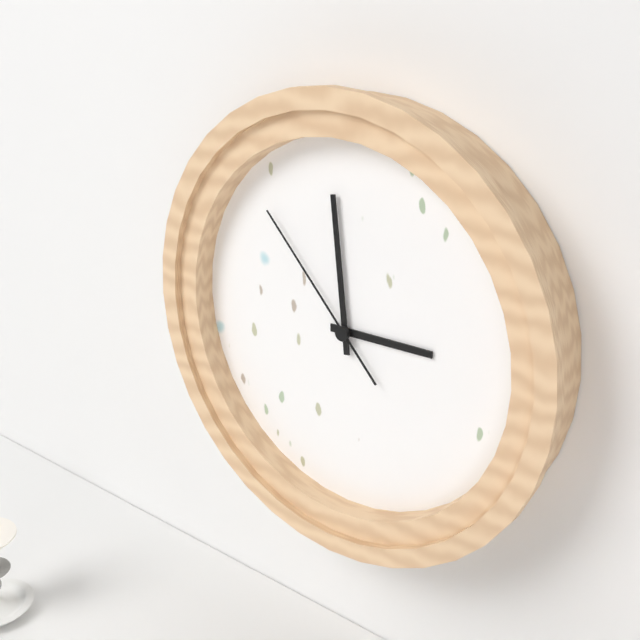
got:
2:59:53
